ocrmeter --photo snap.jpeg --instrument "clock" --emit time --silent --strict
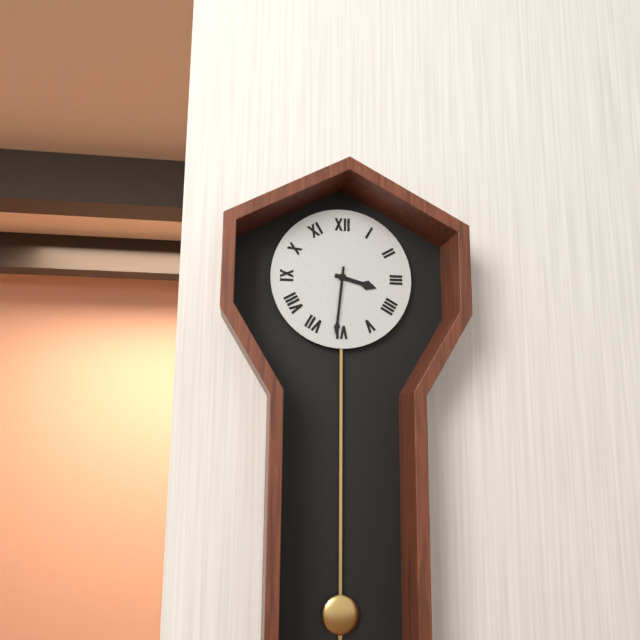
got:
3:31
